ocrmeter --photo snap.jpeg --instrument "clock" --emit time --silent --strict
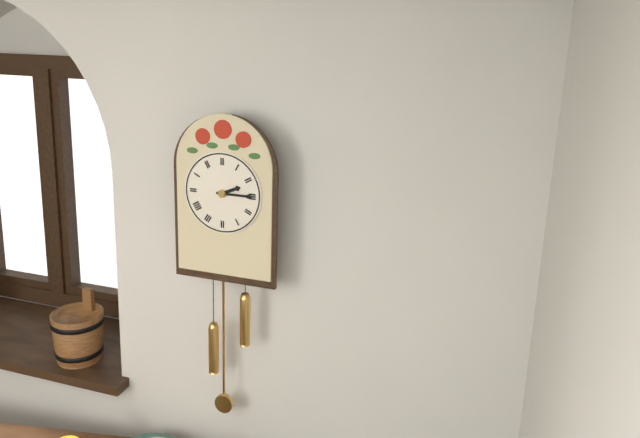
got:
2:15
